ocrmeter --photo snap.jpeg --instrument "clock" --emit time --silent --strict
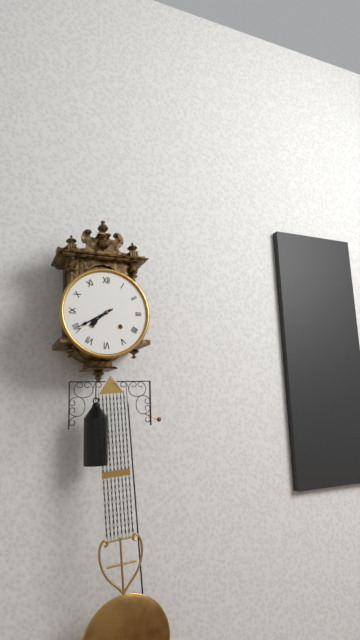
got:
7:40
